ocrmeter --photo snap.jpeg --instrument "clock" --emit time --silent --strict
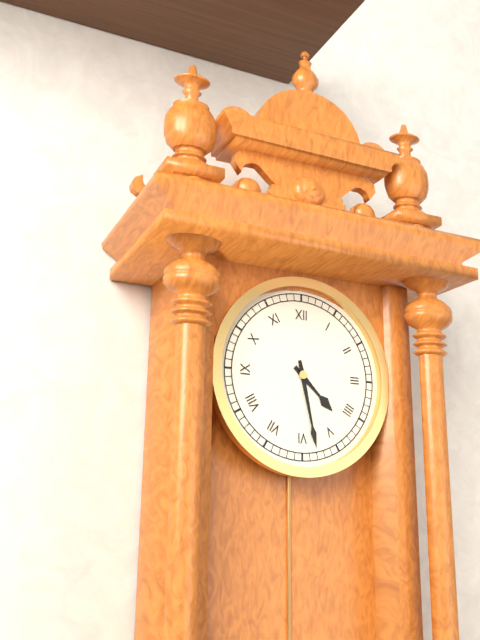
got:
4:28
